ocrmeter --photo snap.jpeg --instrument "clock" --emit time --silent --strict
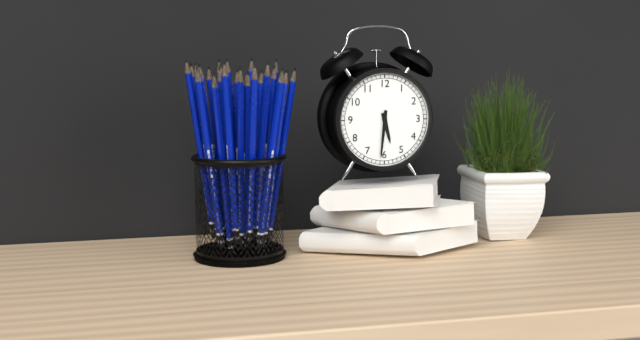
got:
5:31
